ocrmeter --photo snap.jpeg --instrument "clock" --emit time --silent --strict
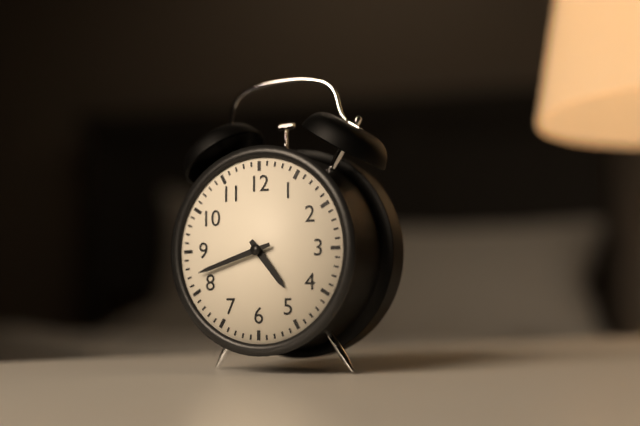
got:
4:42
